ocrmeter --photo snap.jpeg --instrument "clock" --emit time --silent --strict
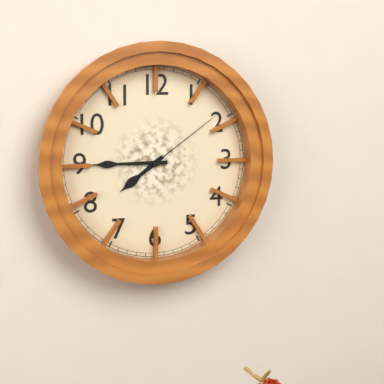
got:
7:45:09
